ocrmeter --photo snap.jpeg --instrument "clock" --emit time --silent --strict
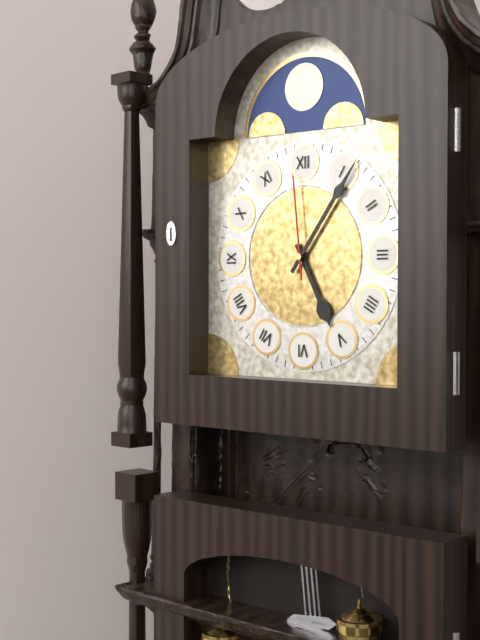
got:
5:06:59
